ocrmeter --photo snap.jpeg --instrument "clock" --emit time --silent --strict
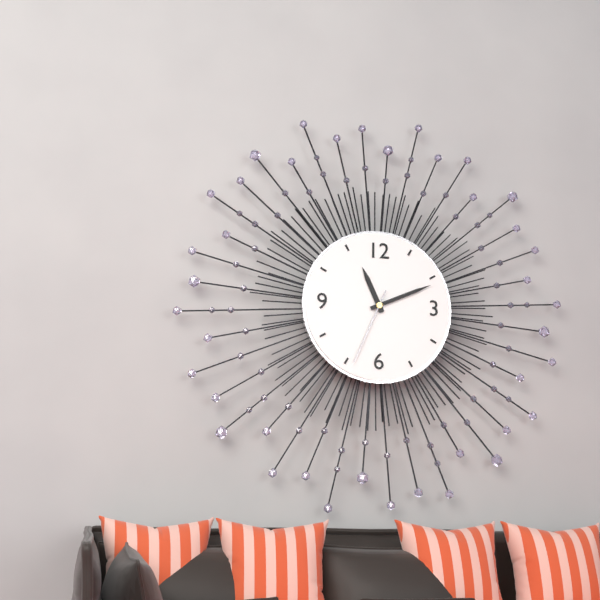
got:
11:11:34
